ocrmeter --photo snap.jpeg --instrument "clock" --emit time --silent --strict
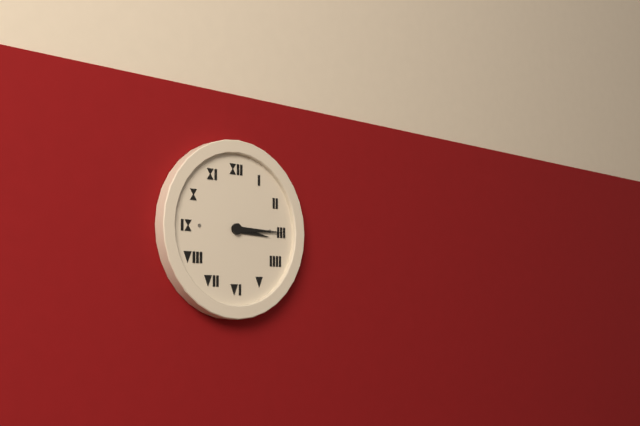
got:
3:15
